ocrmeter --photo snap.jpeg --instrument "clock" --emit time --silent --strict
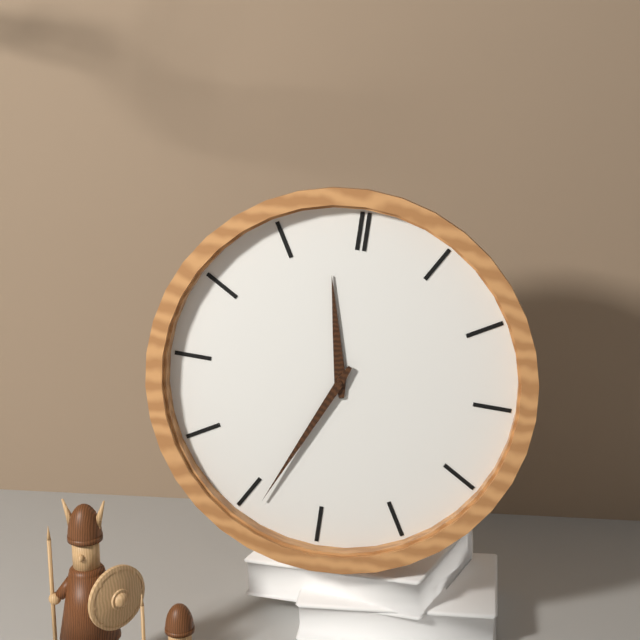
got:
11:34
